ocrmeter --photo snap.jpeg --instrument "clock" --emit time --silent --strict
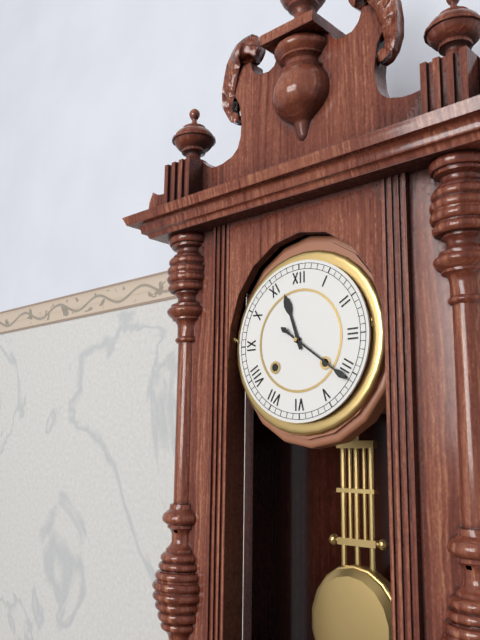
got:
11:21
